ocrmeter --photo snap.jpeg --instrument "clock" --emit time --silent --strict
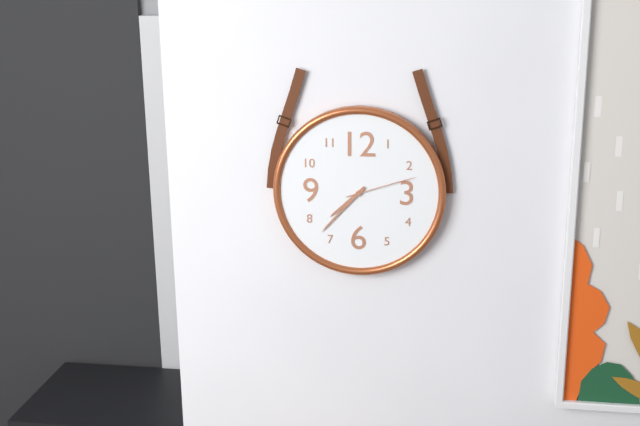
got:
7:37:12
